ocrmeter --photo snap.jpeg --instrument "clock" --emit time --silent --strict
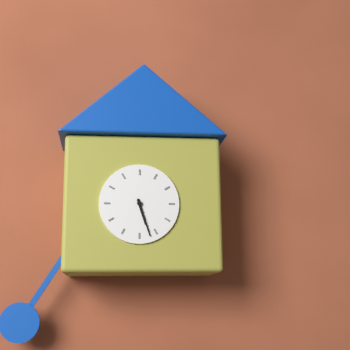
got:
5:27
